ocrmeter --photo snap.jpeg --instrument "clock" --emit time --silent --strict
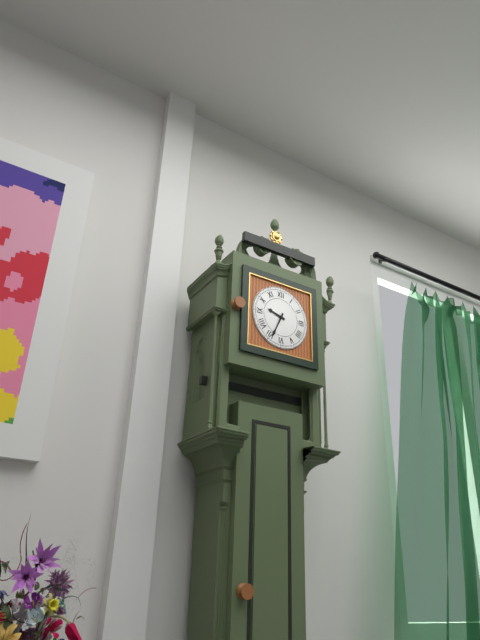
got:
9:34
